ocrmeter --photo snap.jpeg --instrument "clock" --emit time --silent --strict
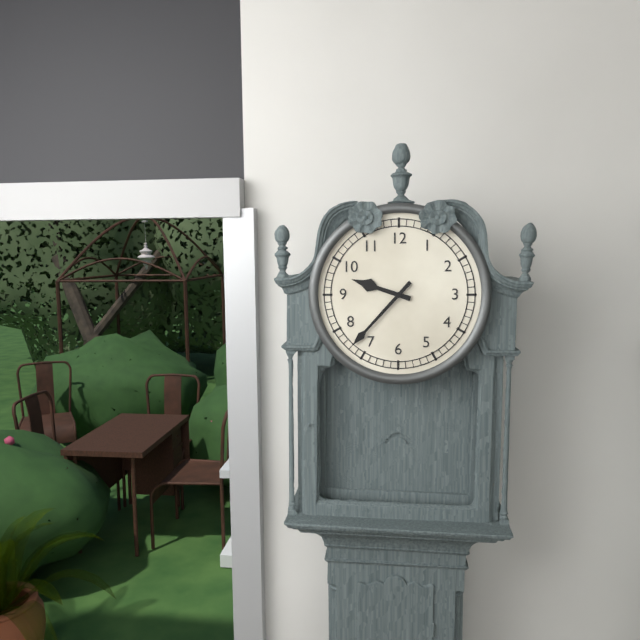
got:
9:37
